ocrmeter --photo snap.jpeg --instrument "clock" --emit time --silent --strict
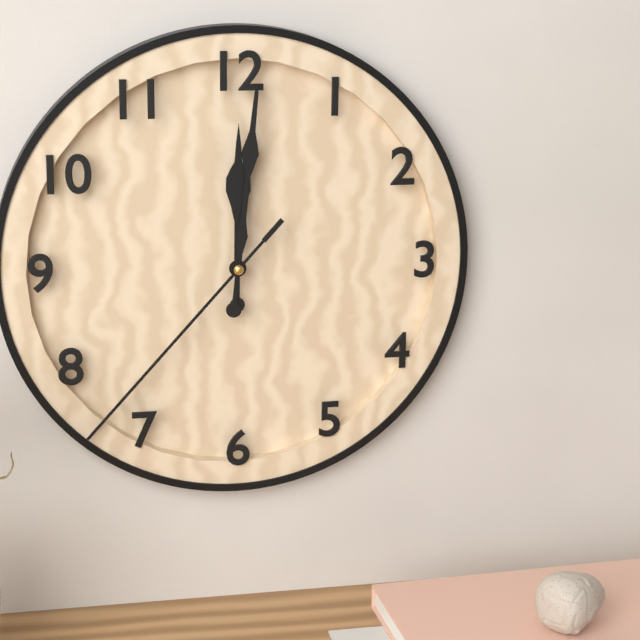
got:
12:01:37
